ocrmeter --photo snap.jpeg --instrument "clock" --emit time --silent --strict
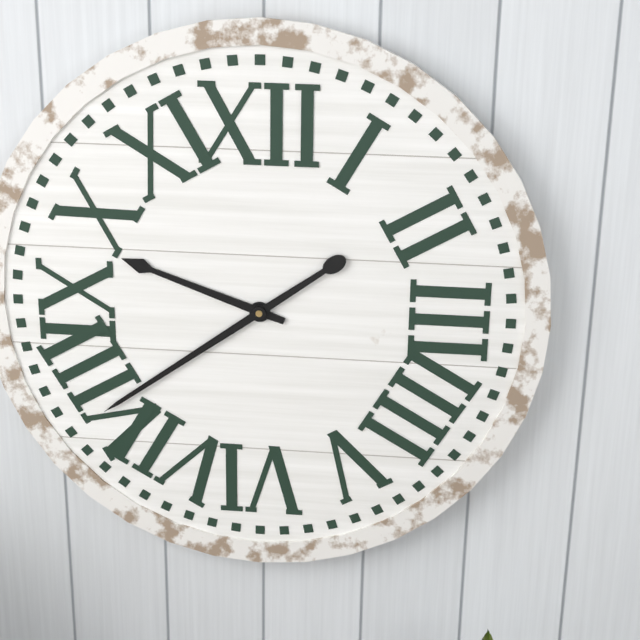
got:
9:39
